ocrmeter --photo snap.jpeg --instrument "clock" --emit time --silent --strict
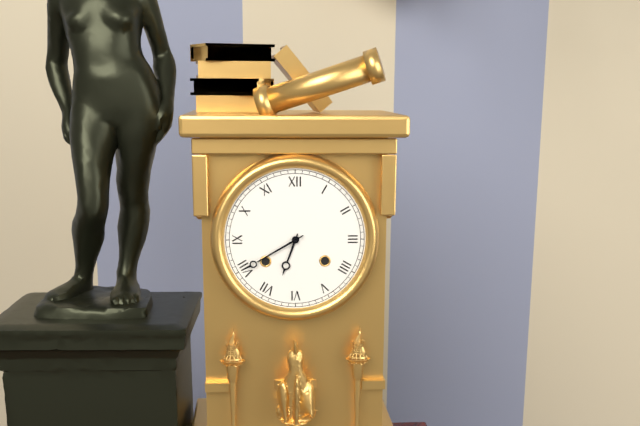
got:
6:40
